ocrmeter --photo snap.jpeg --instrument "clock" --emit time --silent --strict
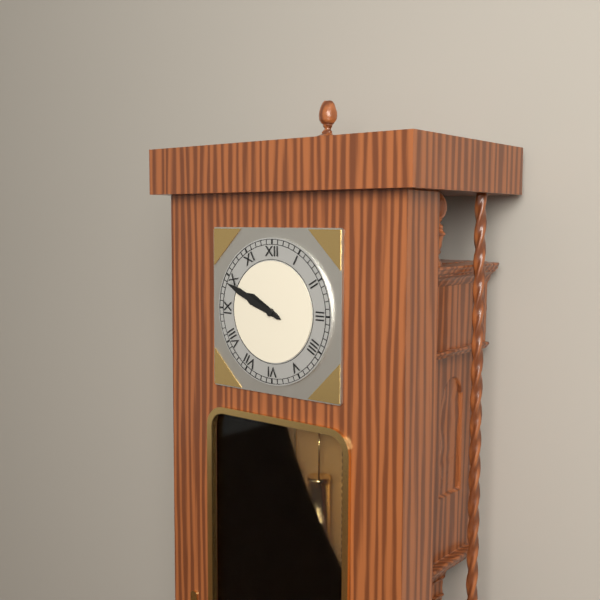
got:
9:49
